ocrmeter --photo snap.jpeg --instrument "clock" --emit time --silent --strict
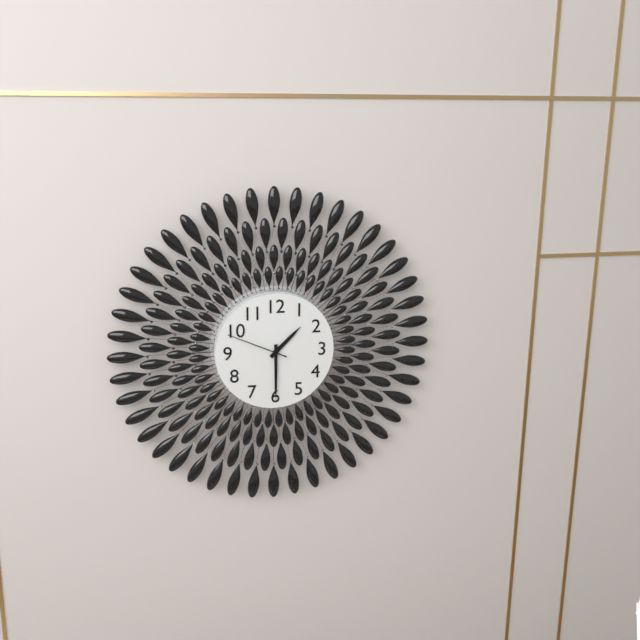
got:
1:30:49
